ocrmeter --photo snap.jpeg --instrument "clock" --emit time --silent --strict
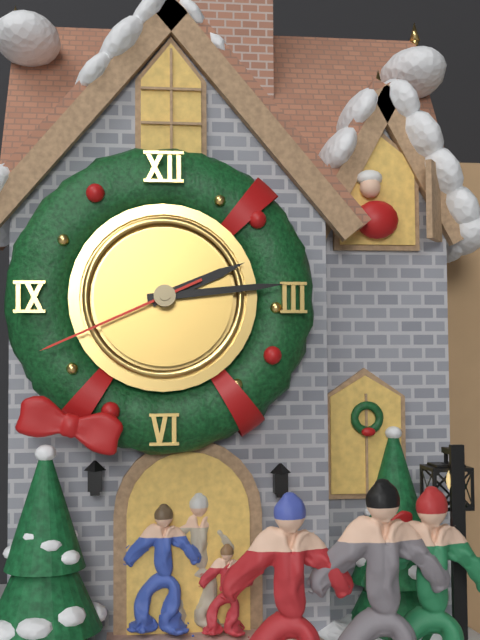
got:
2:14:41
